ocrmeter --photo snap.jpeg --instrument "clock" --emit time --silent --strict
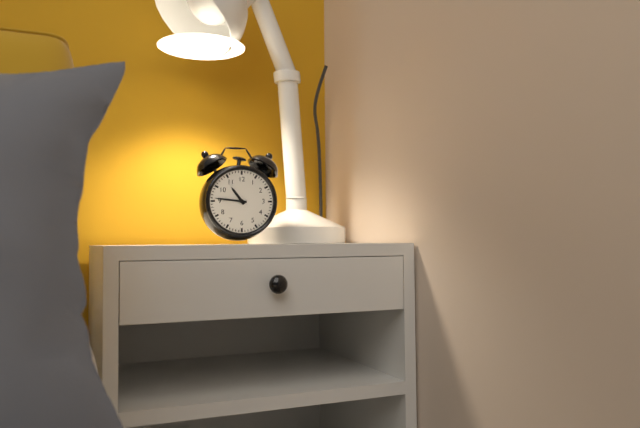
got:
10:46
